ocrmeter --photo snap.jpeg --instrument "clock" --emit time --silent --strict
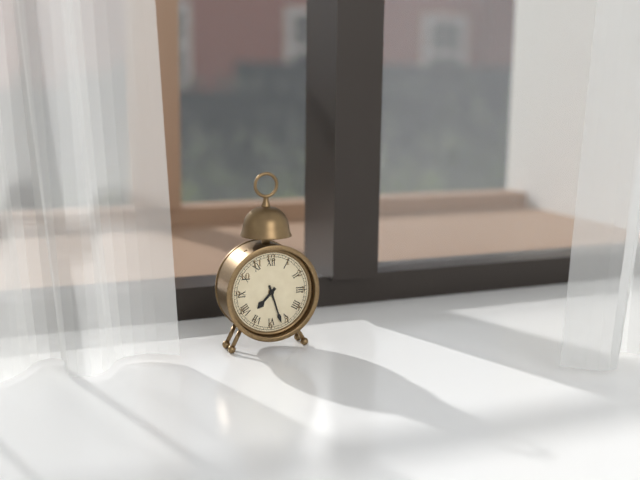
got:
7:27
